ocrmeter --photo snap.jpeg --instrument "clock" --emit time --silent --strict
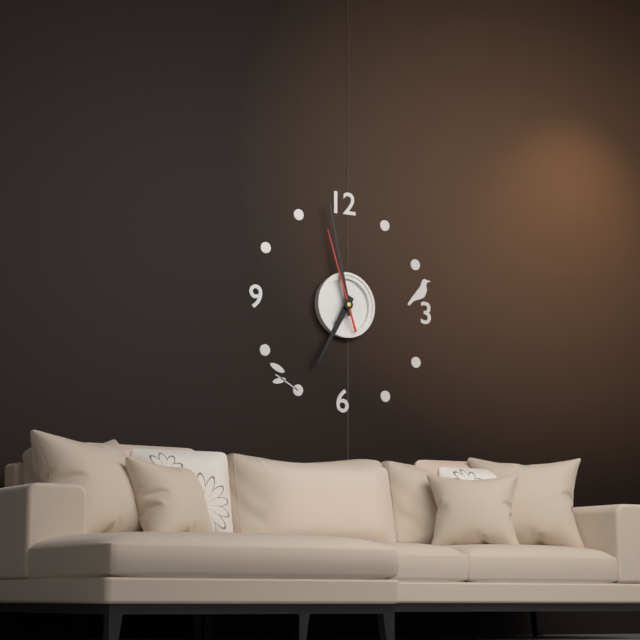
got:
6:58:57
